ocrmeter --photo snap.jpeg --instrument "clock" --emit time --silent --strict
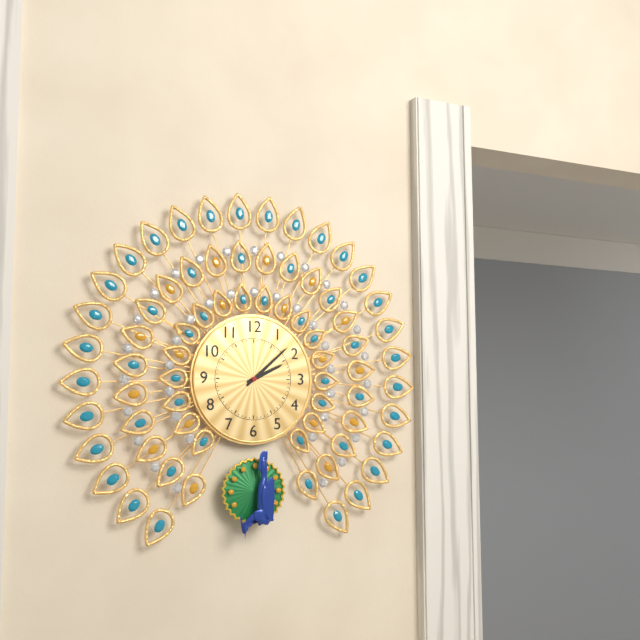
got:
2:08
